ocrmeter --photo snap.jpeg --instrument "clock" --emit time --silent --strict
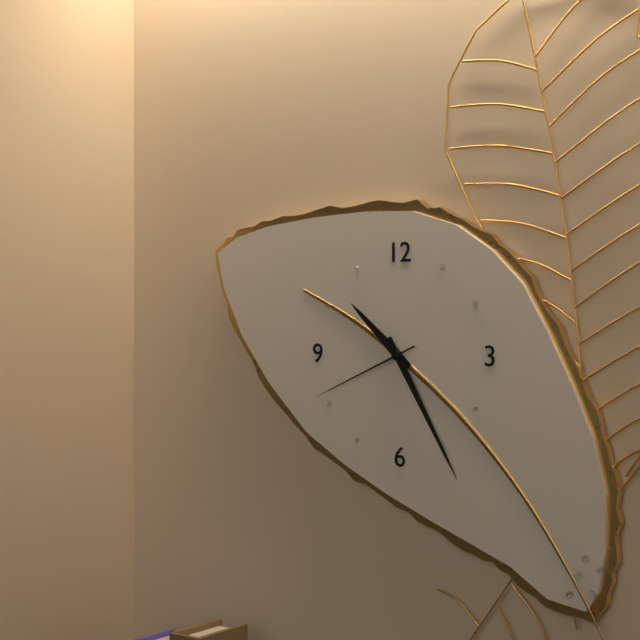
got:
10:25:41
